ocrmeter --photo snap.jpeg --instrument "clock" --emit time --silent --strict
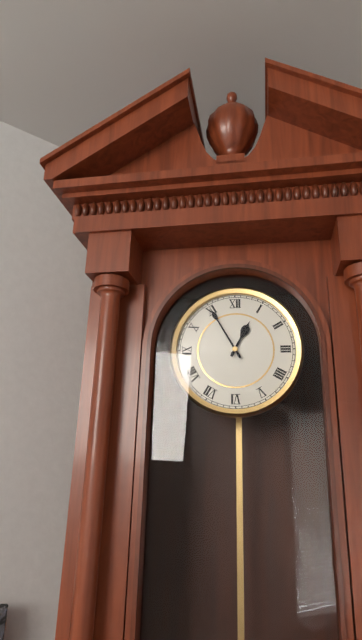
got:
12:55
